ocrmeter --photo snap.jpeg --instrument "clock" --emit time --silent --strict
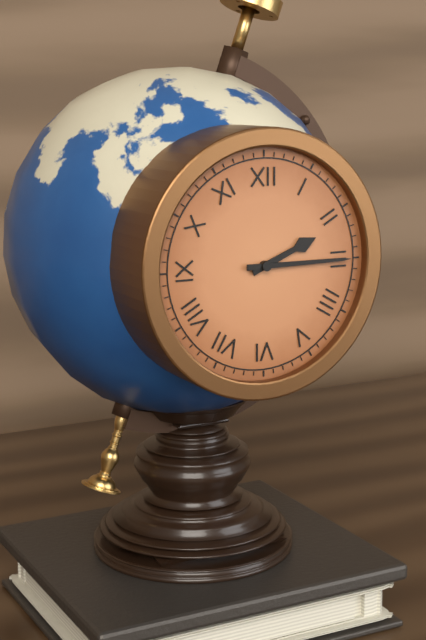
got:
2:15
